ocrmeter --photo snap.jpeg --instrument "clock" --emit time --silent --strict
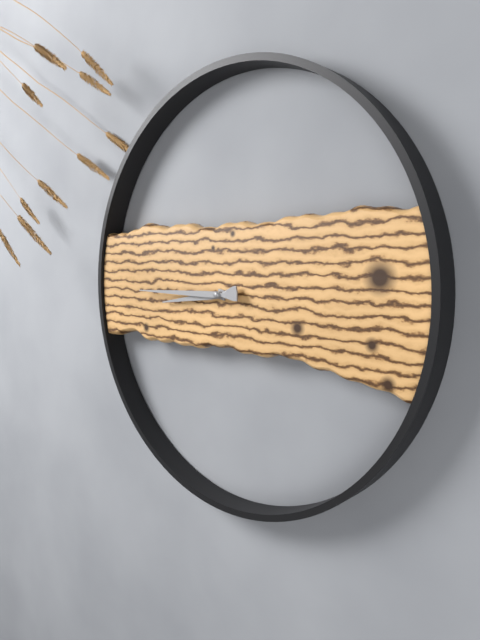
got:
8:45
